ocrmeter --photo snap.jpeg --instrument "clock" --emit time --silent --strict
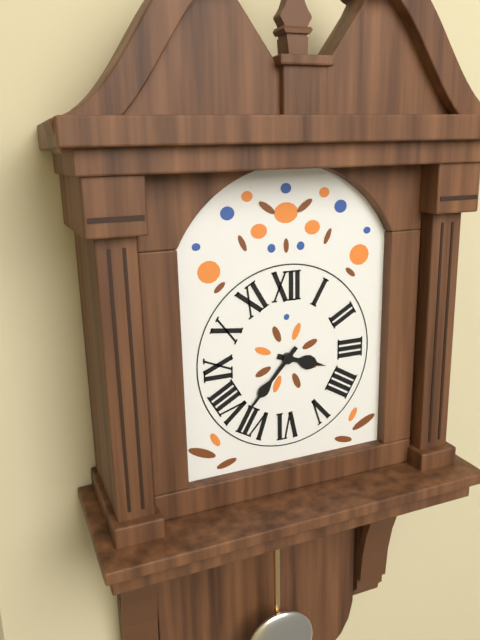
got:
3:37
